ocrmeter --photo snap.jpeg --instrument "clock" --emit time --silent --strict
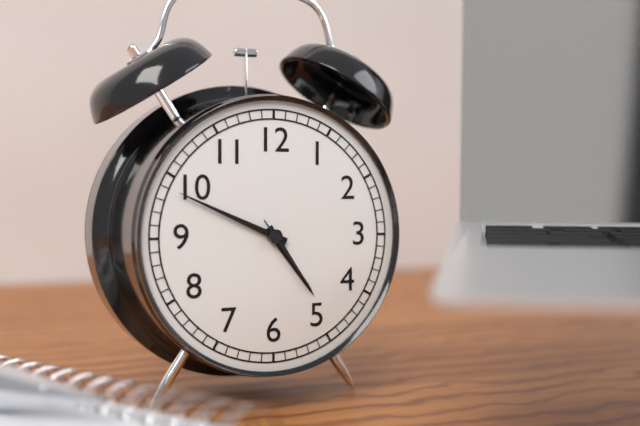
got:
4:49:24
